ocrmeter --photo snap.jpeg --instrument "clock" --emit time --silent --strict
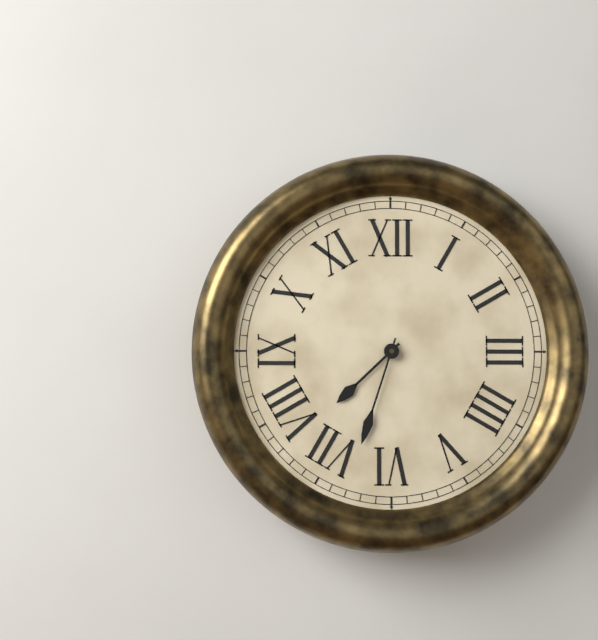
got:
7:33
